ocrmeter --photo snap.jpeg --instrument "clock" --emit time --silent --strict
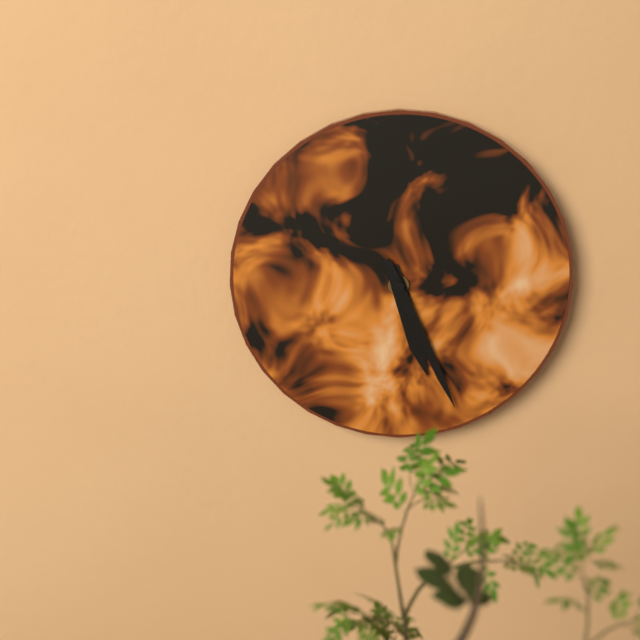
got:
5:26
